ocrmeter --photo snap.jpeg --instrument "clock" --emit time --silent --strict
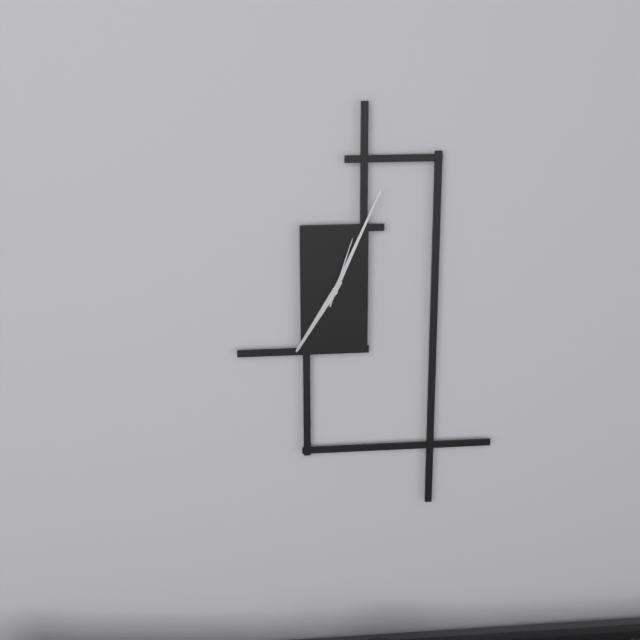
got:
7:04:03
